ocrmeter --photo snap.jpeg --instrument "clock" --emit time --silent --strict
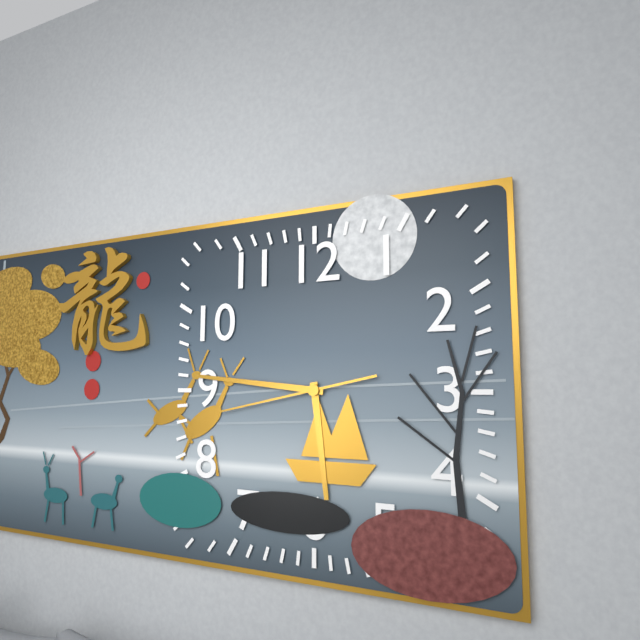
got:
5:46:43
